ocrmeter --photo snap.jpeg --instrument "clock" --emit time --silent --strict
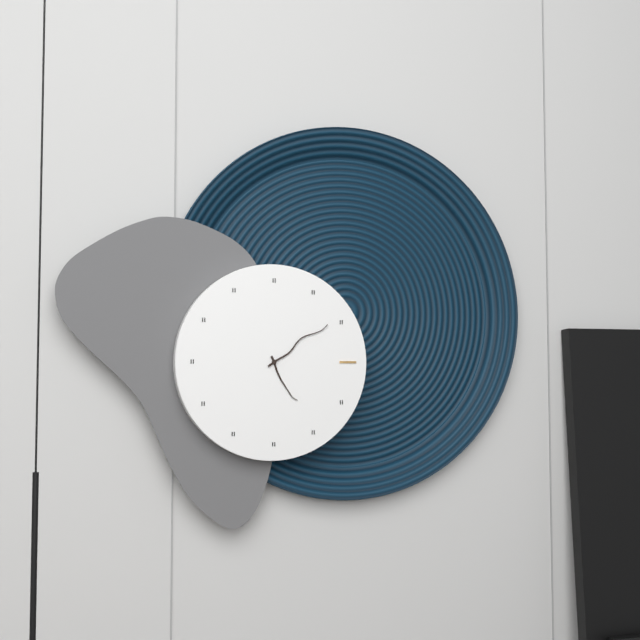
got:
5:09
